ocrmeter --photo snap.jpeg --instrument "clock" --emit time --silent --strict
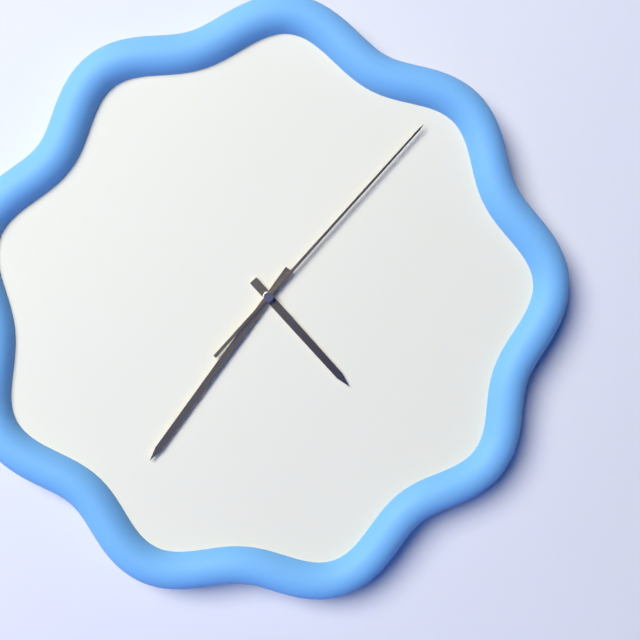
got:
4:36:07
